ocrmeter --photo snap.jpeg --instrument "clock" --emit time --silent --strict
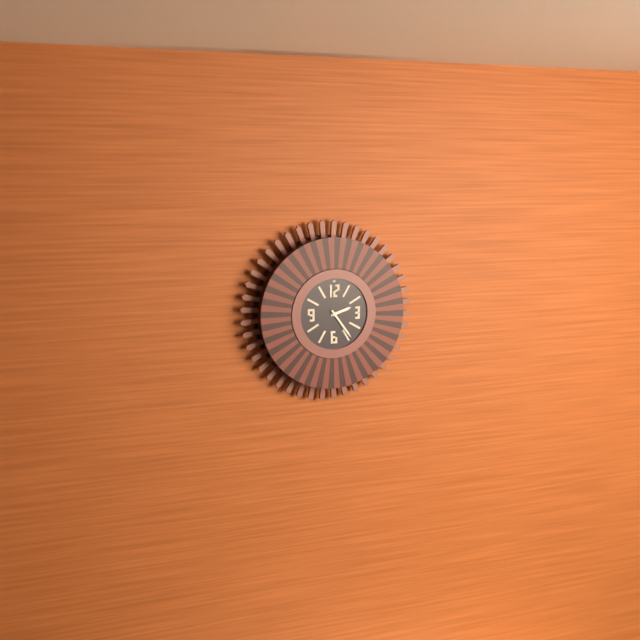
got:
2:24
